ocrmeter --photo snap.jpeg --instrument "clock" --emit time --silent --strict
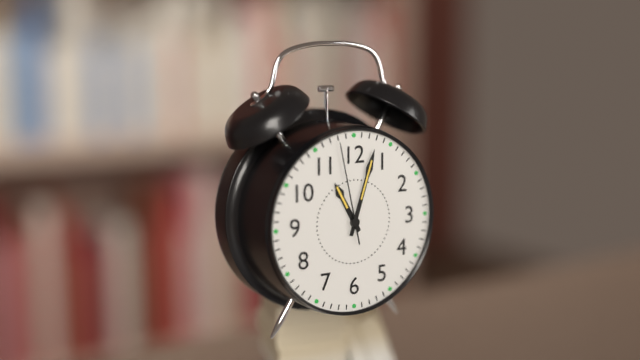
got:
11:03:58
